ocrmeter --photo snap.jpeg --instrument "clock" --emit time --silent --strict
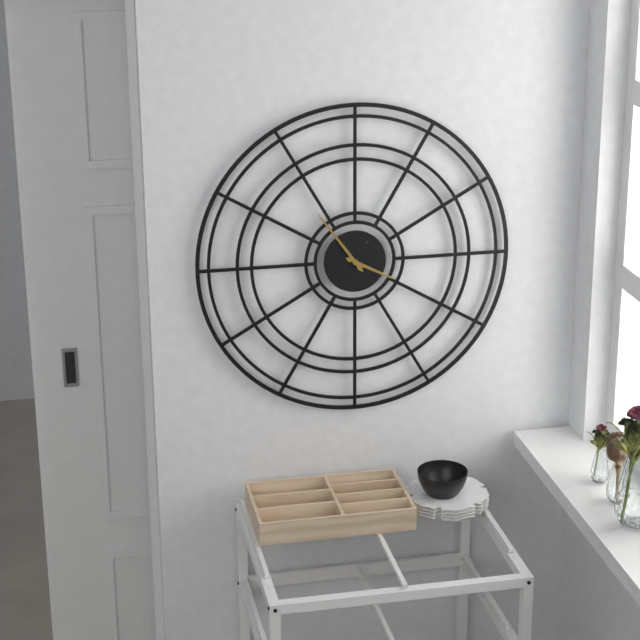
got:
3:54
